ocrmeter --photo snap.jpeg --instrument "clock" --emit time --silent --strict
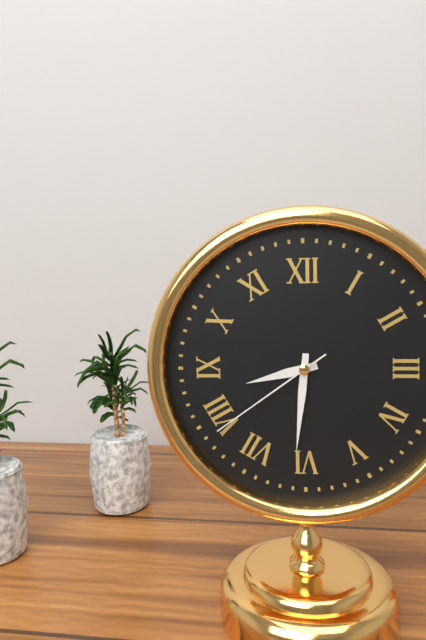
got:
8:31:39
